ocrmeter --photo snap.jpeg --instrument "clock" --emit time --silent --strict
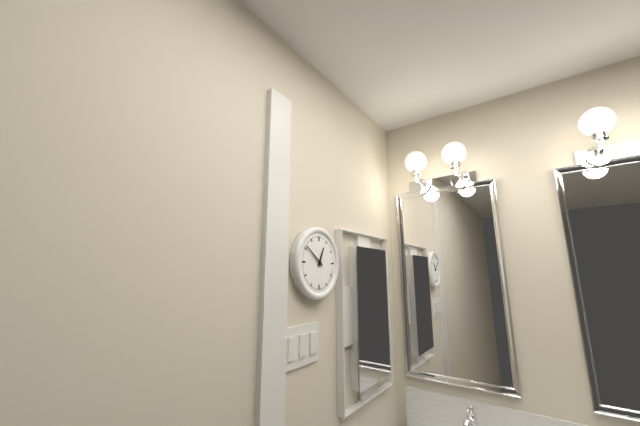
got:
12:51
